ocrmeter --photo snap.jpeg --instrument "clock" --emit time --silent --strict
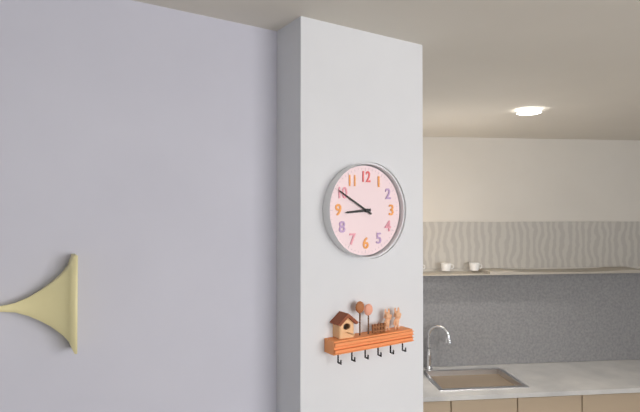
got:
8:50
